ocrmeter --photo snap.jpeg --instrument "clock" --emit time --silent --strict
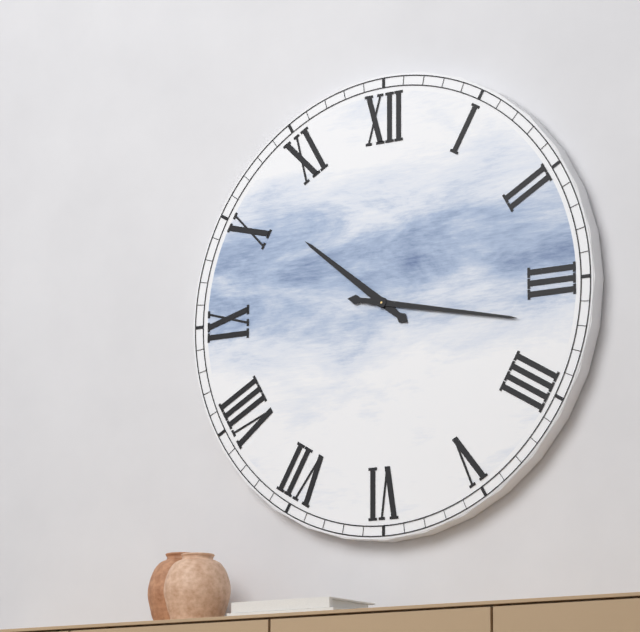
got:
10:17
